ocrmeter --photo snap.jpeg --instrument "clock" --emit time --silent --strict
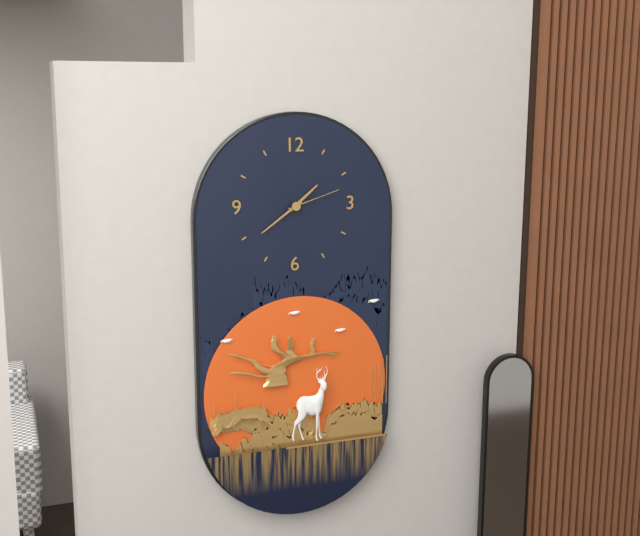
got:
1:39:12
